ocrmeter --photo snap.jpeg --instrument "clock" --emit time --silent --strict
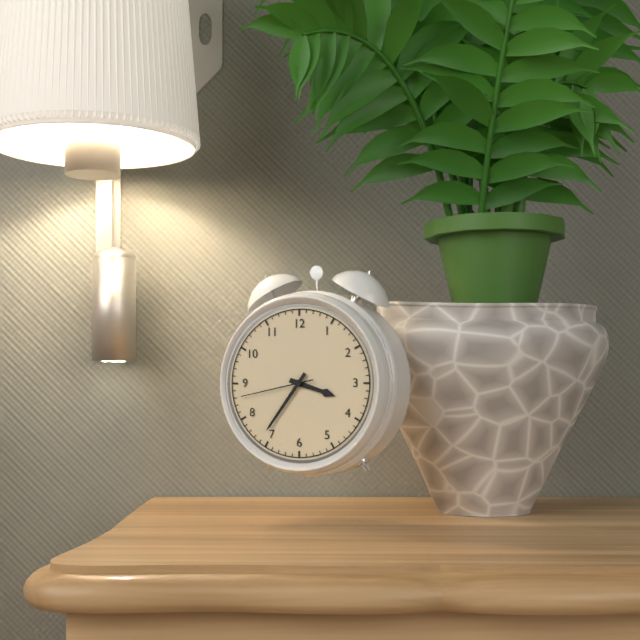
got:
3:36:43
